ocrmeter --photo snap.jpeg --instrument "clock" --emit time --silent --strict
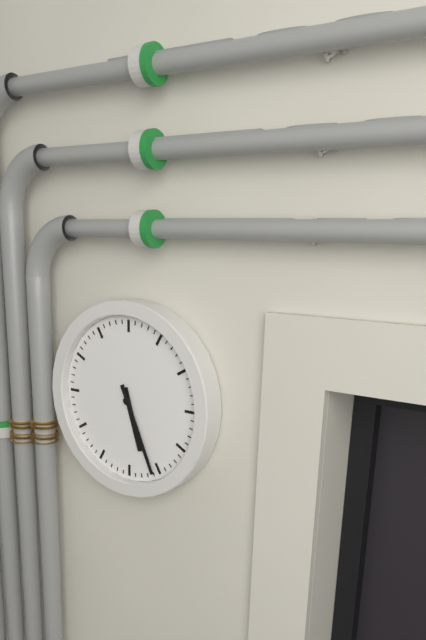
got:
5:26
